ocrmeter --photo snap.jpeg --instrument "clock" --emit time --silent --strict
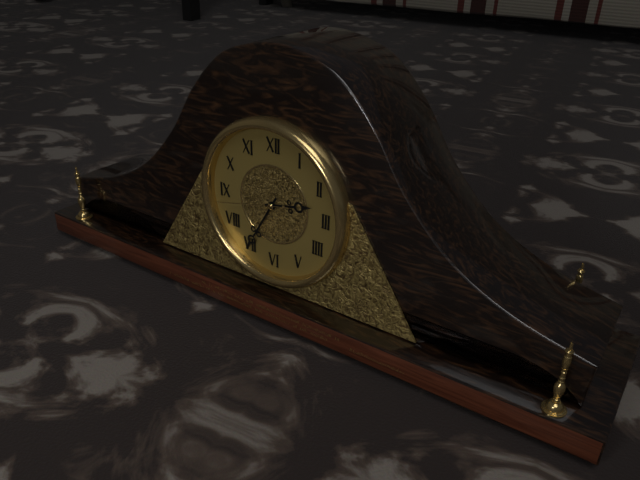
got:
2:35:43
